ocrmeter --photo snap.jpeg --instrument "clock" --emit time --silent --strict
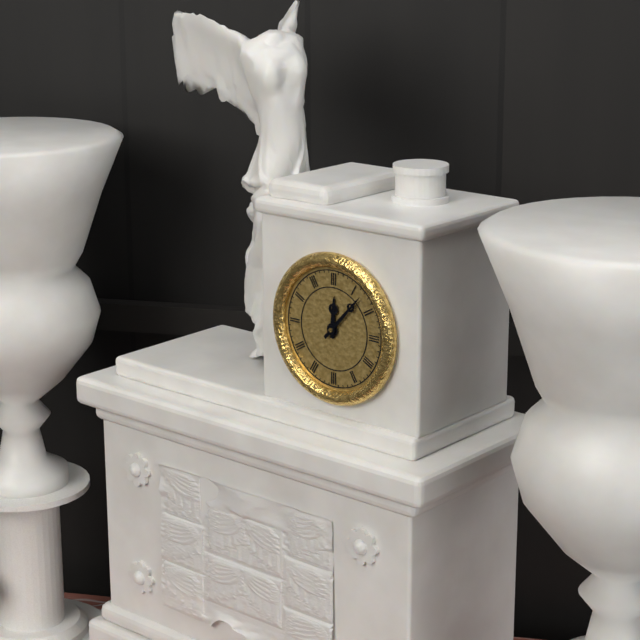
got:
12:07
